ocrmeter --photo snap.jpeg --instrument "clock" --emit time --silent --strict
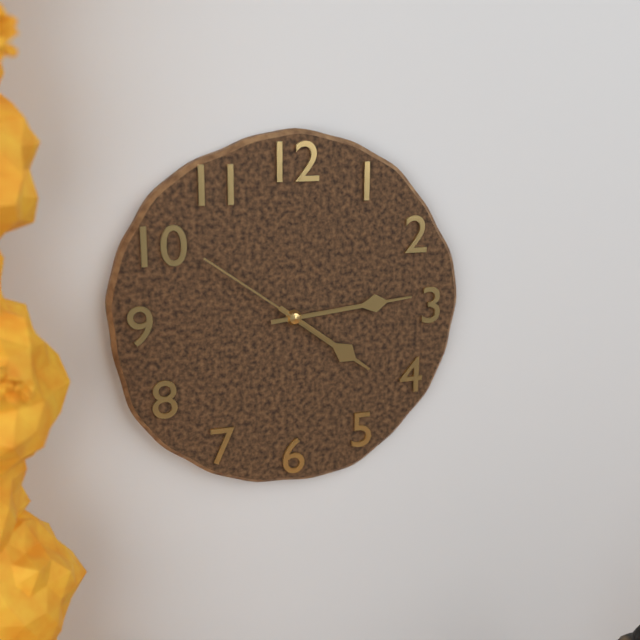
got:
4:14:51
